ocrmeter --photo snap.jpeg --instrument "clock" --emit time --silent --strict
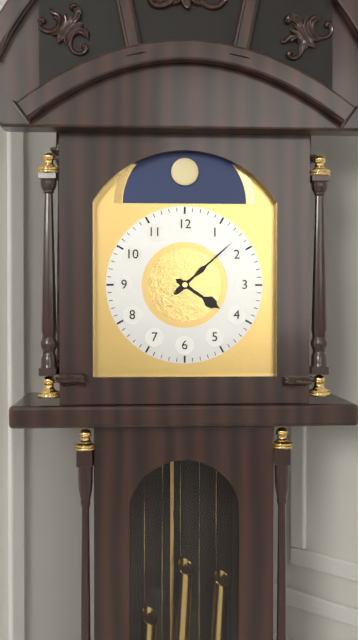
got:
4:08
